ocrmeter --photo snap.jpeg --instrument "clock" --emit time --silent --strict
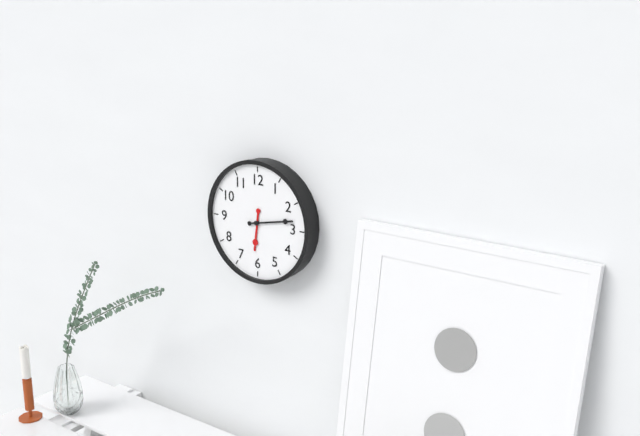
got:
6:13
